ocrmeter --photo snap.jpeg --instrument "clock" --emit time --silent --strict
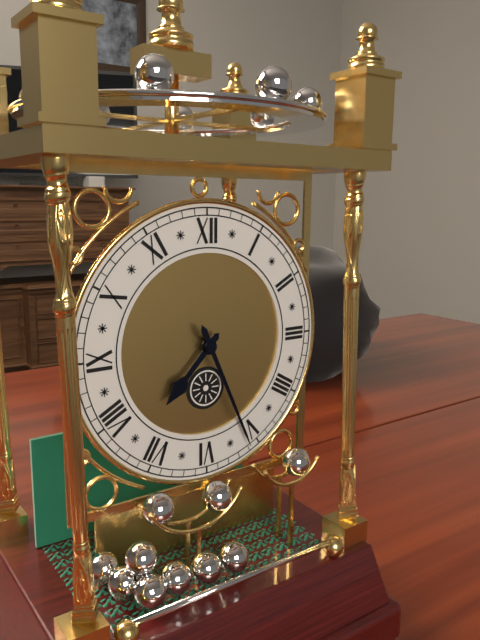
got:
7:26
